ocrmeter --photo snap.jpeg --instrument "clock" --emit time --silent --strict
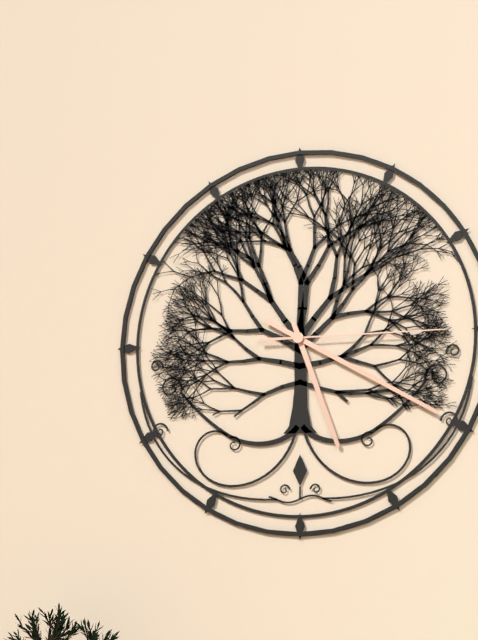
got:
5:20:15
